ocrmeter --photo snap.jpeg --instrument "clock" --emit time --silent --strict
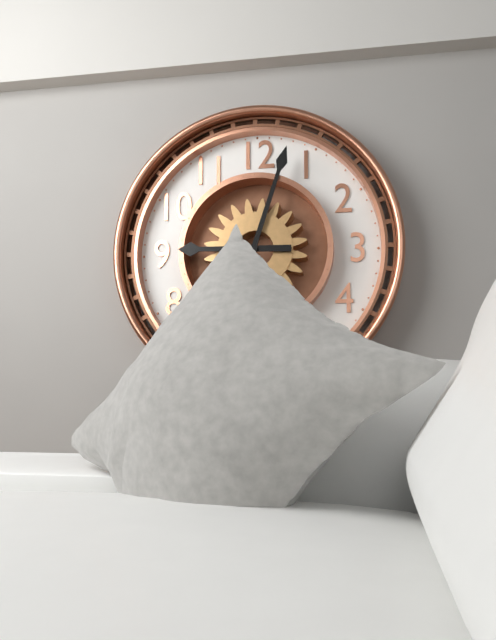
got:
9:03
